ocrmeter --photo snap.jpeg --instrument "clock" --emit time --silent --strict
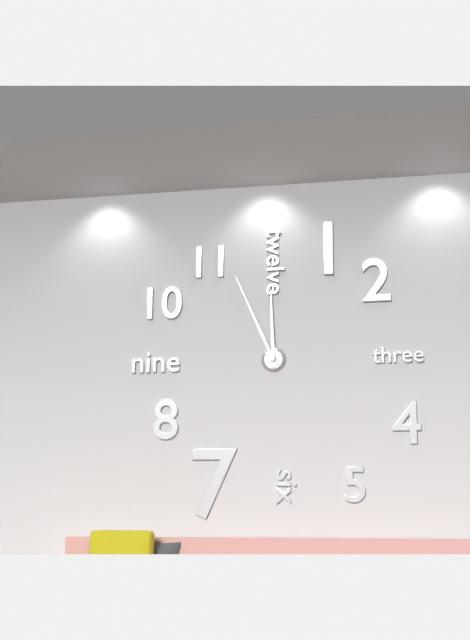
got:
11:56
